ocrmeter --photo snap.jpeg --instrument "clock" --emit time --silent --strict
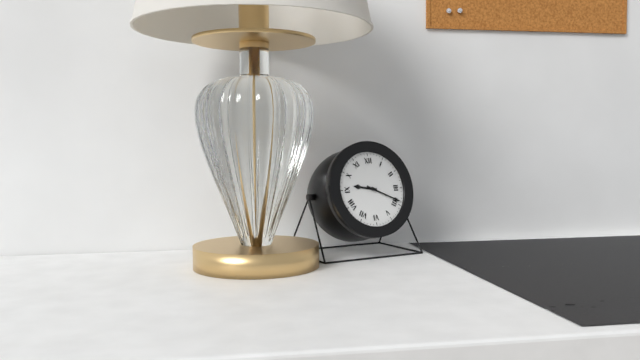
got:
9:19
